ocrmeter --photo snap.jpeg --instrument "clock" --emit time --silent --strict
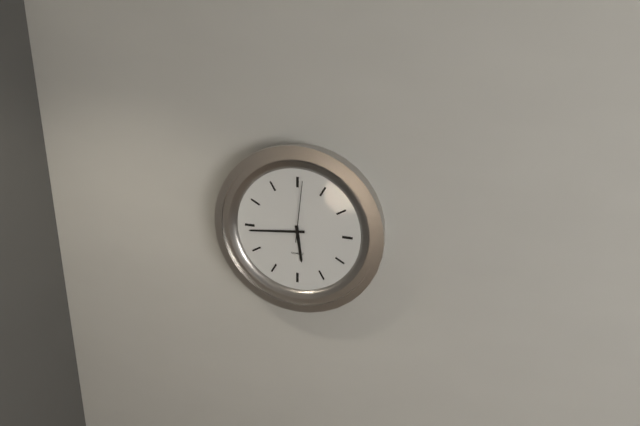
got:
5:44:01
